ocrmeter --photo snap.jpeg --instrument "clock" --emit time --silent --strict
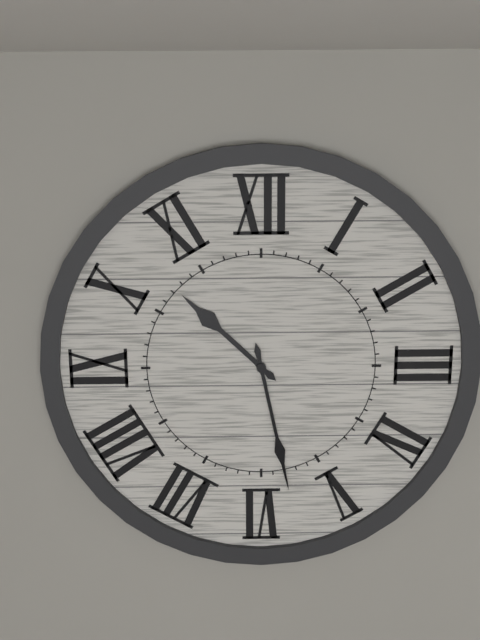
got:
10:28
